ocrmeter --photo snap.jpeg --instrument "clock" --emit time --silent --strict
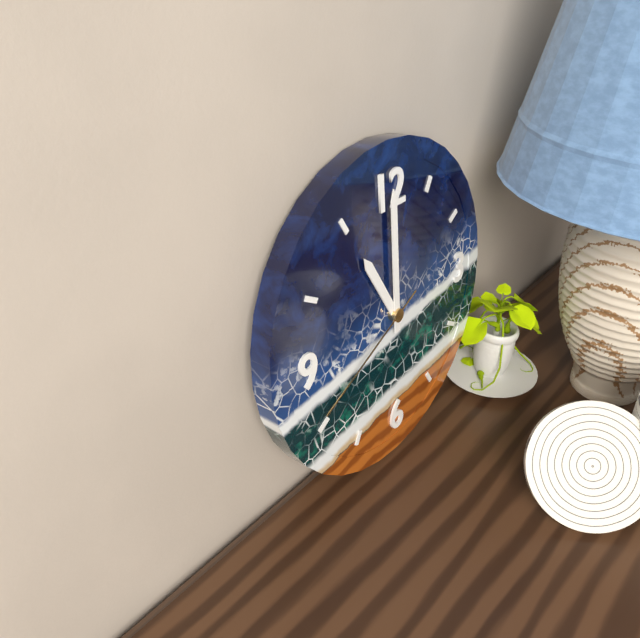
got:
11:00:41
